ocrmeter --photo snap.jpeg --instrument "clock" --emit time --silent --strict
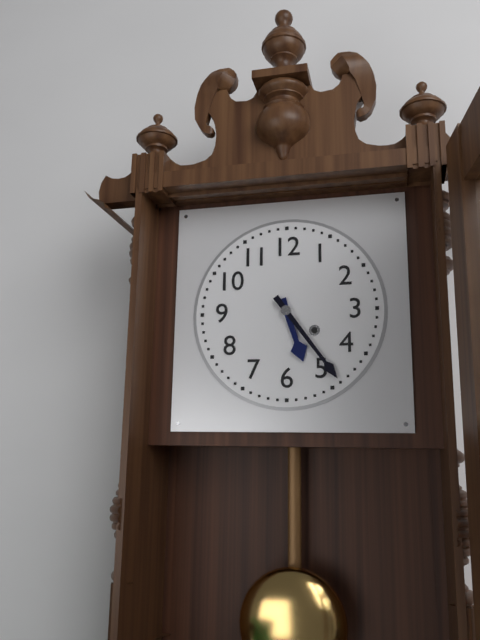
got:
5:24
